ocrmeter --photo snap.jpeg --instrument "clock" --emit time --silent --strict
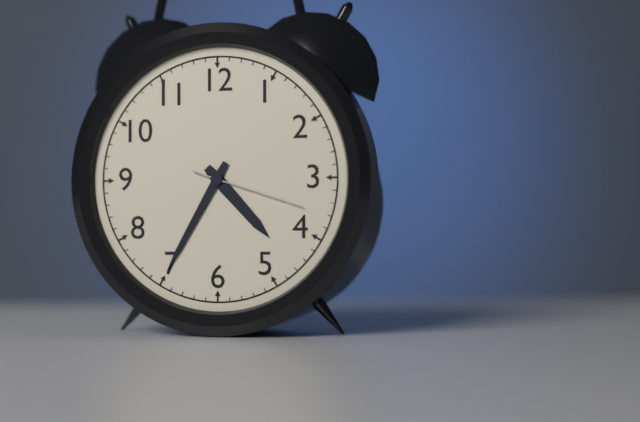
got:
4:35:18
